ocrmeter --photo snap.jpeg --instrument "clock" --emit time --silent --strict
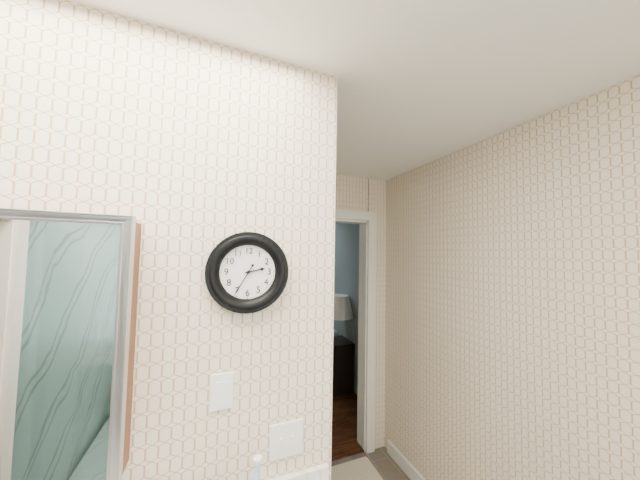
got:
2:35
